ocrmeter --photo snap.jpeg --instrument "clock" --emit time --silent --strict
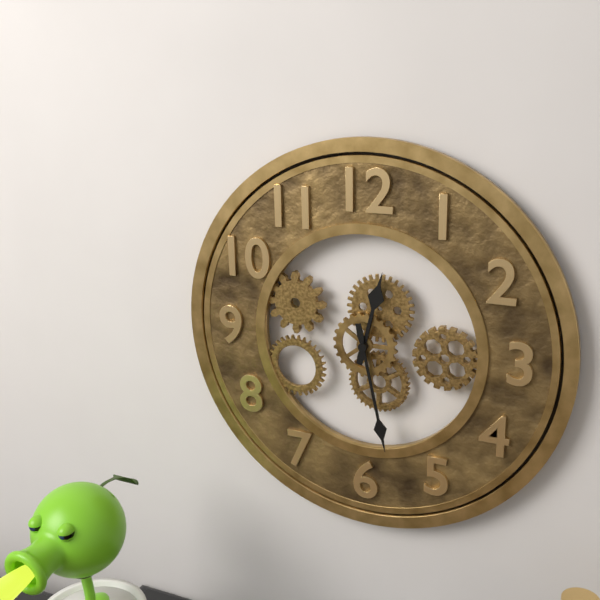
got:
12:28
